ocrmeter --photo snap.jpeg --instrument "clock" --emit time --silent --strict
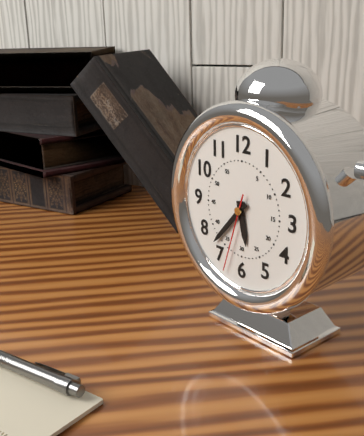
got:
5:37:33
